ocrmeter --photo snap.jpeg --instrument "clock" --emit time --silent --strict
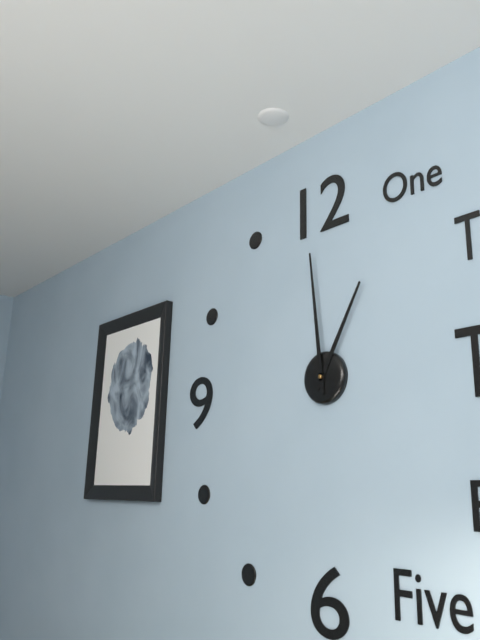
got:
12:59
